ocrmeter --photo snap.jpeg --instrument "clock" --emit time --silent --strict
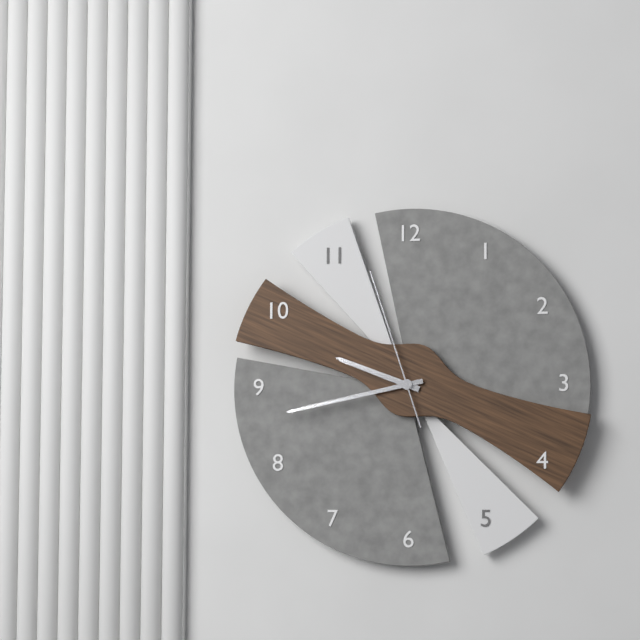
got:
9:43:57
